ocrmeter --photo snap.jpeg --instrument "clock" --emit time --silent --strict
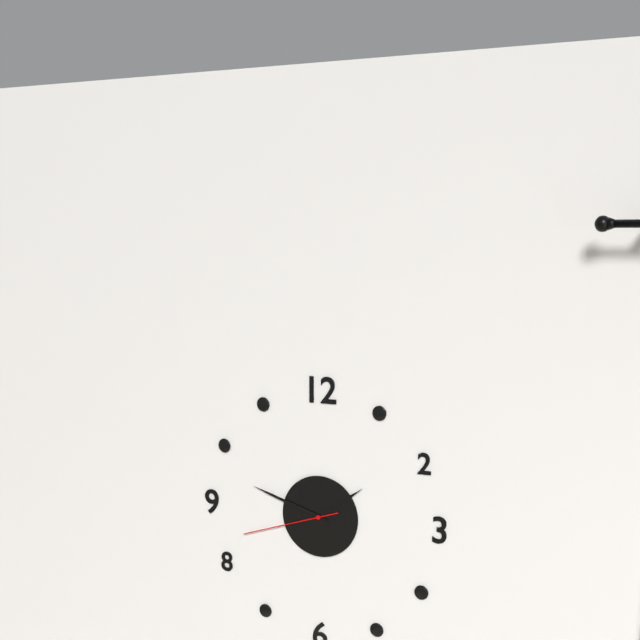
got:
1:48:42
